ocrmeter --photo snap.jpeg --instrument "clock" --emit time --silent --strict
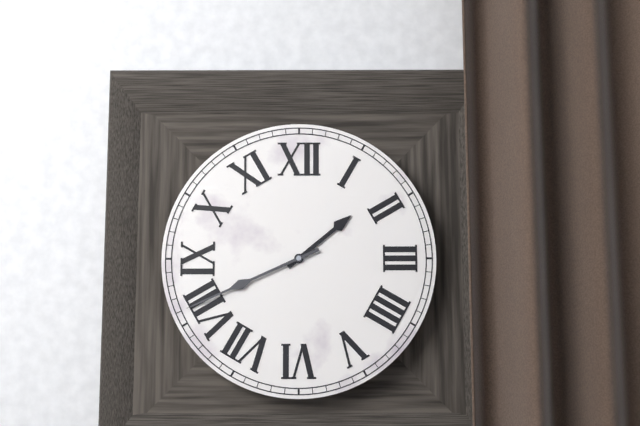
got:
1:41
